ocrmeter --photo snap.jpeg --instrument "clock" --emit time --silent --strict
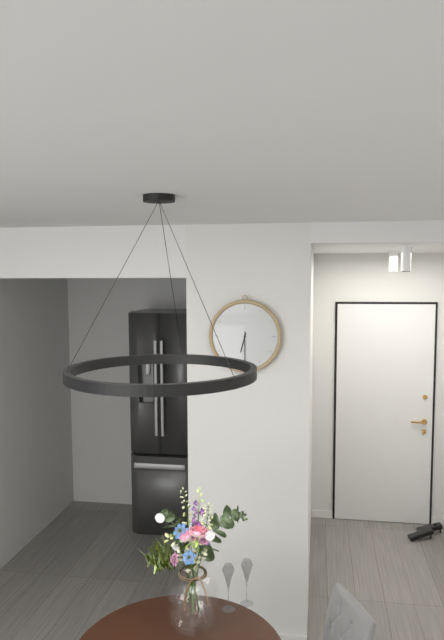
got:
6:30
